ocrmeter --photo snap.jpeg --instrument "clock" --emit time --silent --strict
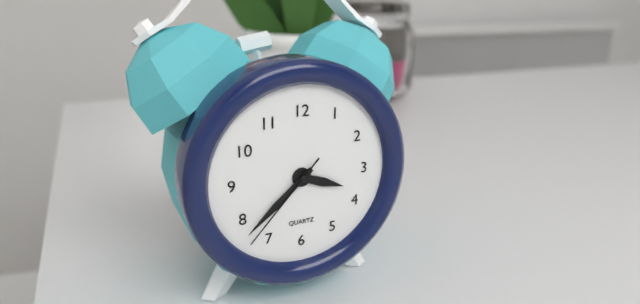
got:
3:38:37
